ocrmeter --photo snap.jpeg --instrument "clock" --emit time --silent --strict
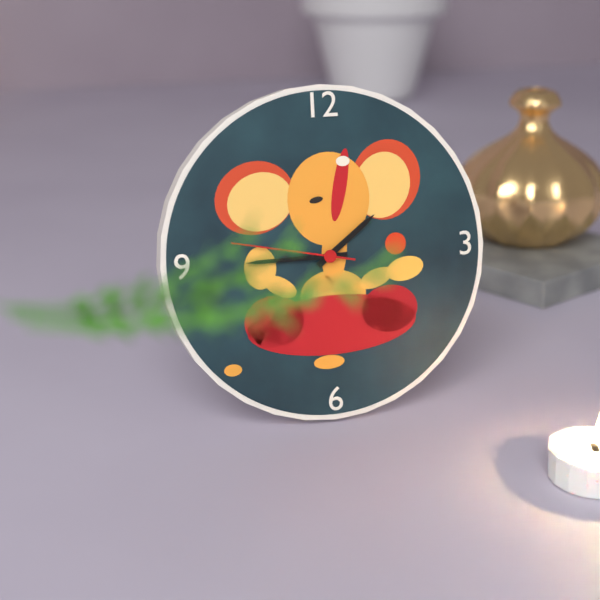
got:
1:45:47
